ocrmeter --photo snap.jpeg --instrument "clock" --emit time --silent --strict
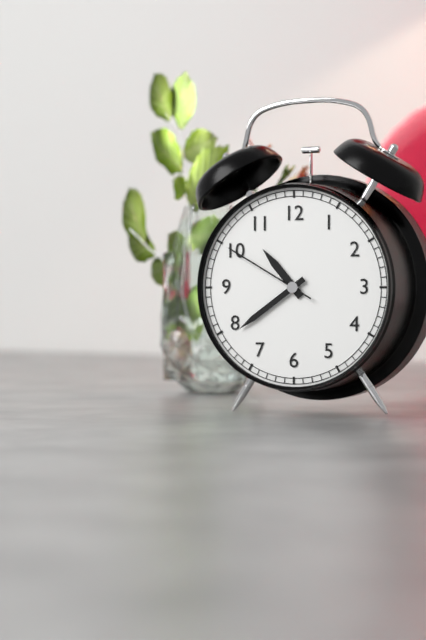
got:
10:39:50
